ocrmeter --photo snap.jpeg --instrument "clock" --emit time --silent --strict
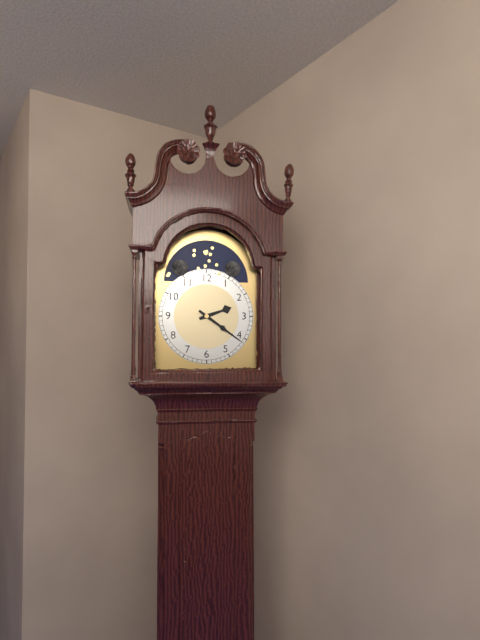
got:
2:21
